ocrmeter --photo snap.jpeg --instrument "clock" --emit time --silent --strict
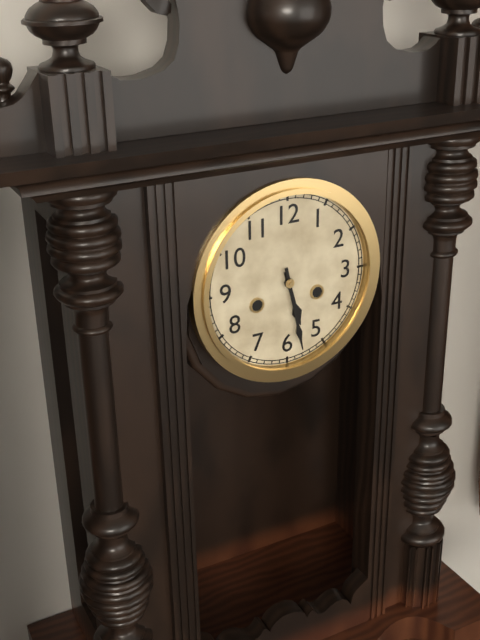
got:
5:28
